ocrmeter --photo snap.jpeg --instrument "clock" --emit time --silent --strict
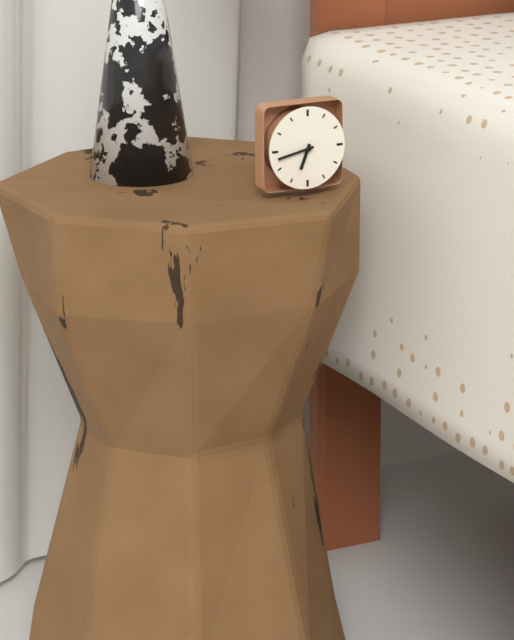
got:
6:43
